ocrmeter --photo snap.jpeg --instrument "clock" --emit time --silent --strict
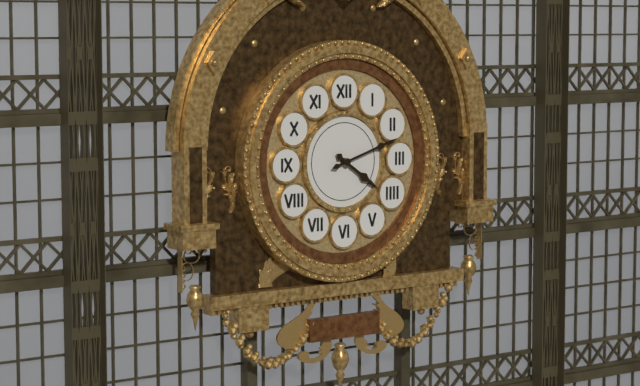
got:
4:12
